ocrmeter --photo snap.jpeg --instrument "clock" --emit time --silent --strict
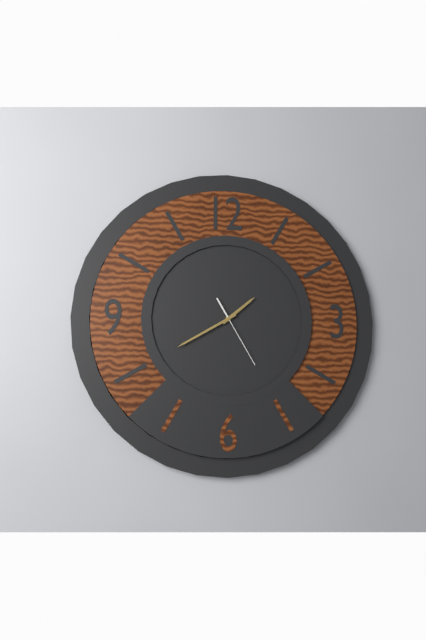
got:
1:40:25
